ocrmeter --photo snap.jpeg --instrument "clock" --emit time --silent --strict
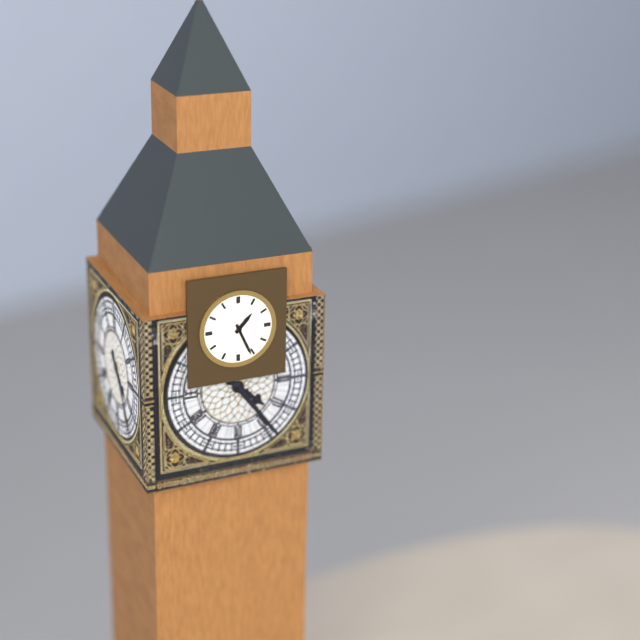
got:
1:26
